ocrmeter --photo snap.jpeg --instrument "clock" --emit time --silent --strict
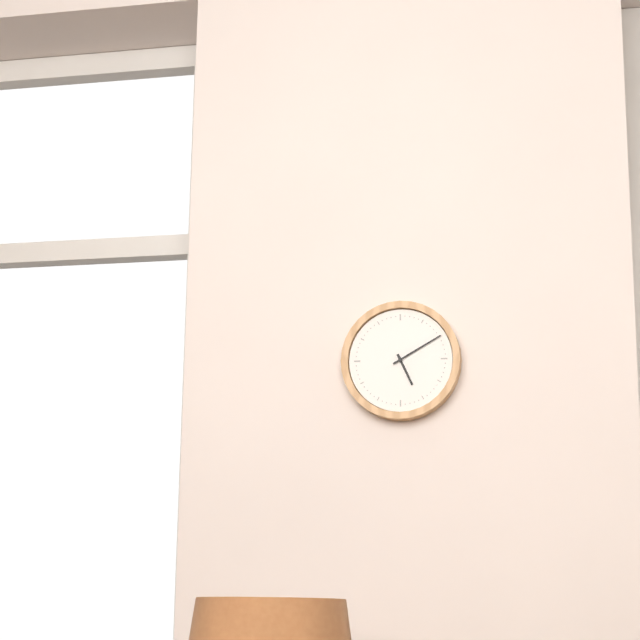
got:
5:10
